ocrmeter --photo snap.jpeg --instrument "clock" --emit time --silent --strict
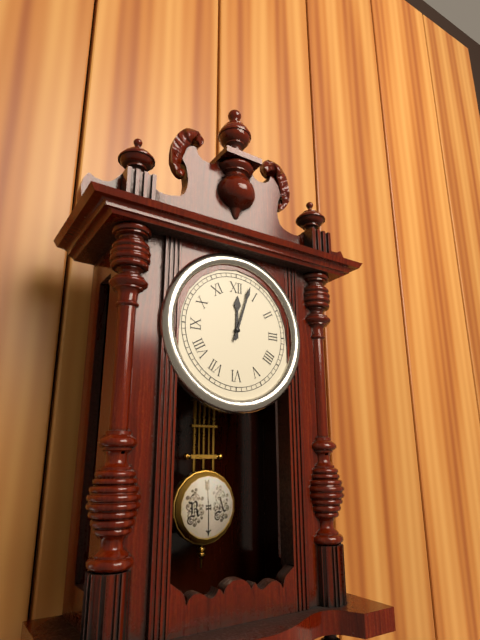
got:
12:03
